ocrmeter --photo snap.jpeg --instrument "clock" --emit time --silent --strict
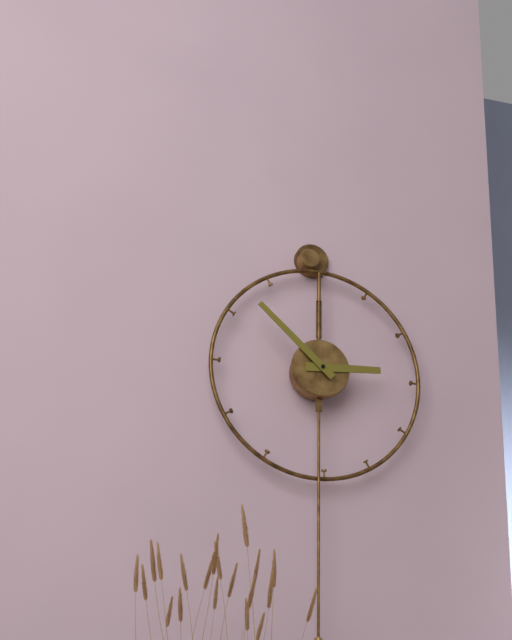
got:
2:52
